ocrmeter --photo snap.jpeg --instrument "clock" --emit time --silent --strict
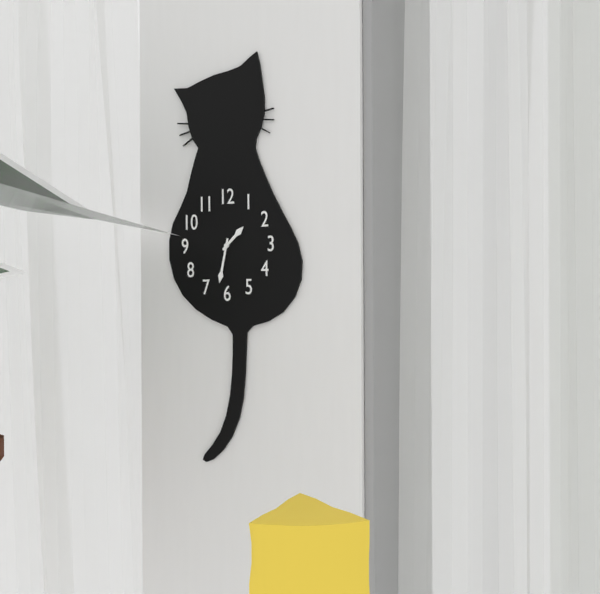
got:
1:32
